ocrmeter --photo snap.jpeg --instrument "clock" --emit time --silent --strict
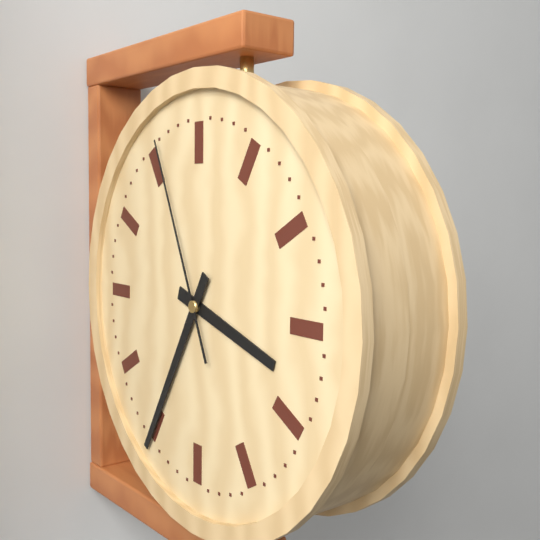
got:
3:35:56
